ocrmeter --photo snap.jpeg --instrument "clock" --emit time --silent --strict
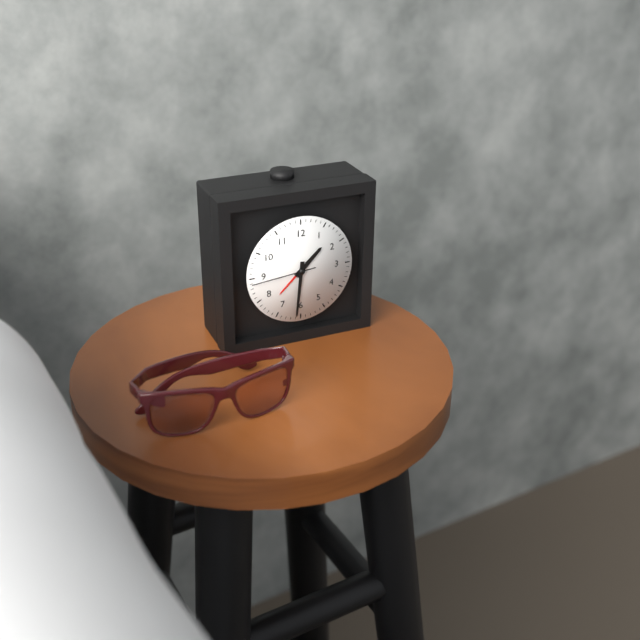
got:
1:31:44
